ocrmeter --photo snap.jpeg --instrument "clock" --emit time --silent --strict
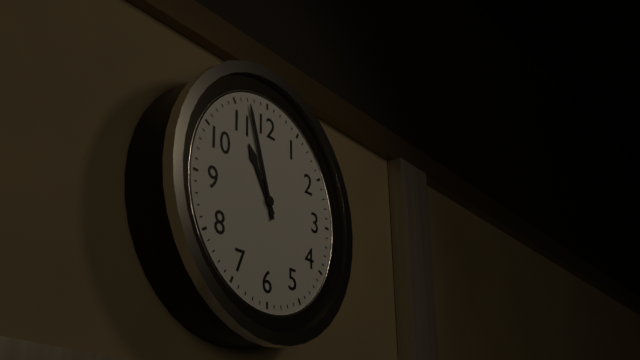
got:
10:57
